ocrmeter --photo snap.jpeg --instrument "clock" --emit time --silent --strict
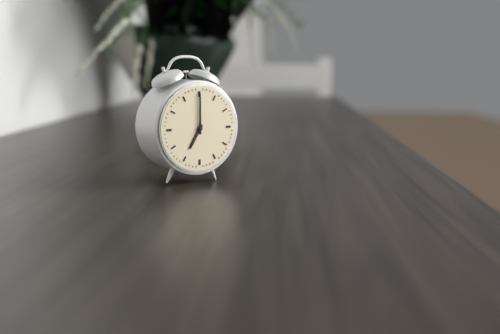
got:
7:00
